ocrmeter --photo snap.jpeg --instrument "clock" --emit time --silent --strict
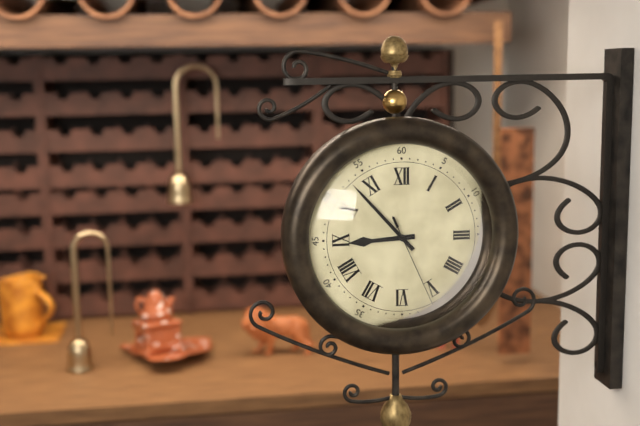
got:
8:53:26
